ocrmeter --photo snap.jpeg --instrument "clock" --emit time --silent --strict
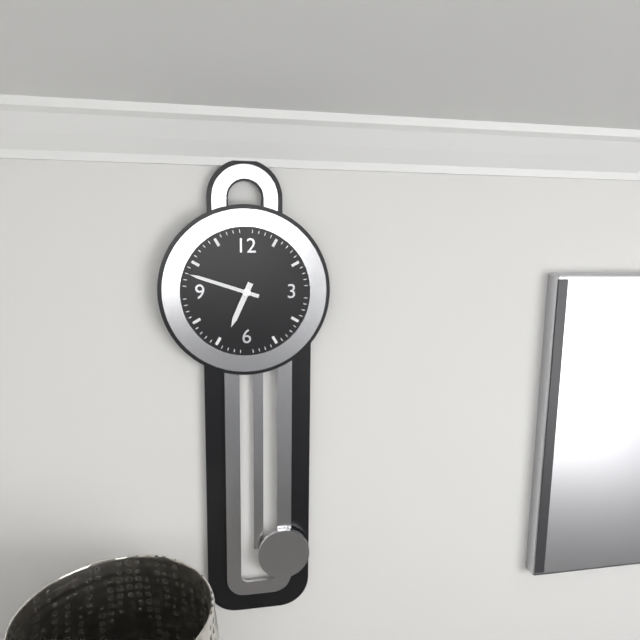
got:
6:48
